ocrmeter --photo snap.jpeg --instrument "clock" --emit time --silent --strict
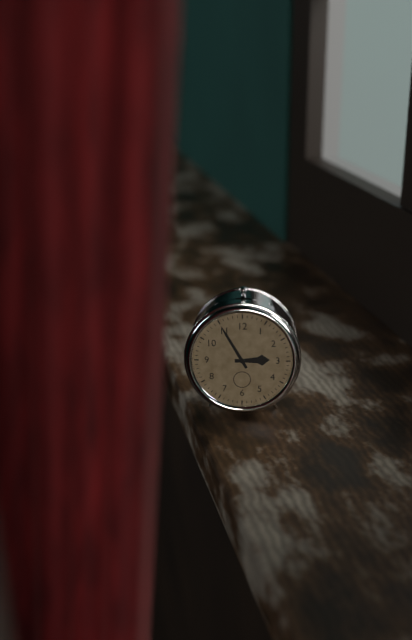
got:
2:55
